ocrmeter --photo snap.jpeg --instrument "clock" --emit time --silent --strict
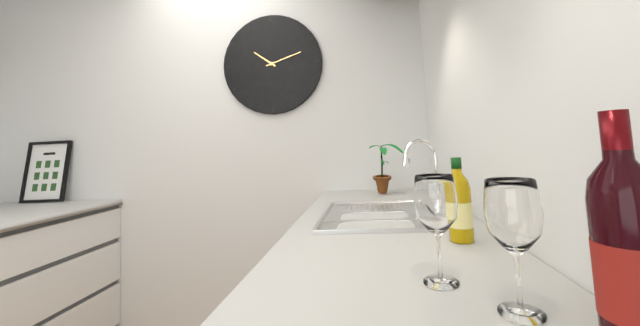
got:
10:12
